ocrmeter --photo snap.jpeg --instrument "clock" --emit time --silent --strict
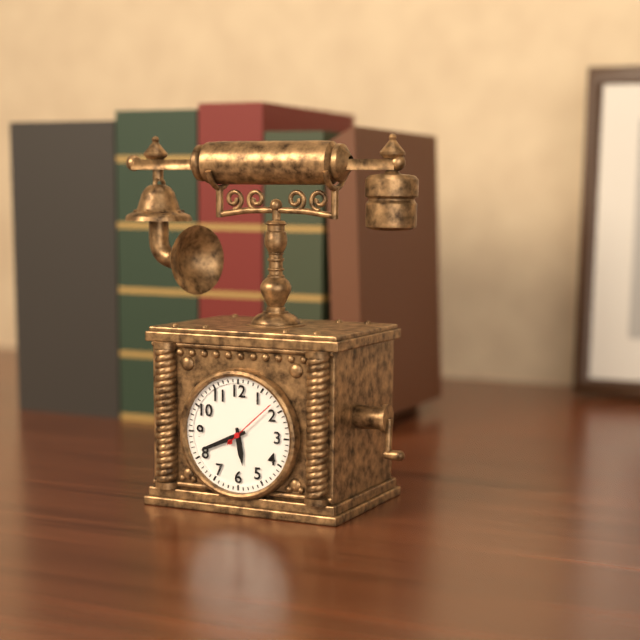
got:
5:41:08
